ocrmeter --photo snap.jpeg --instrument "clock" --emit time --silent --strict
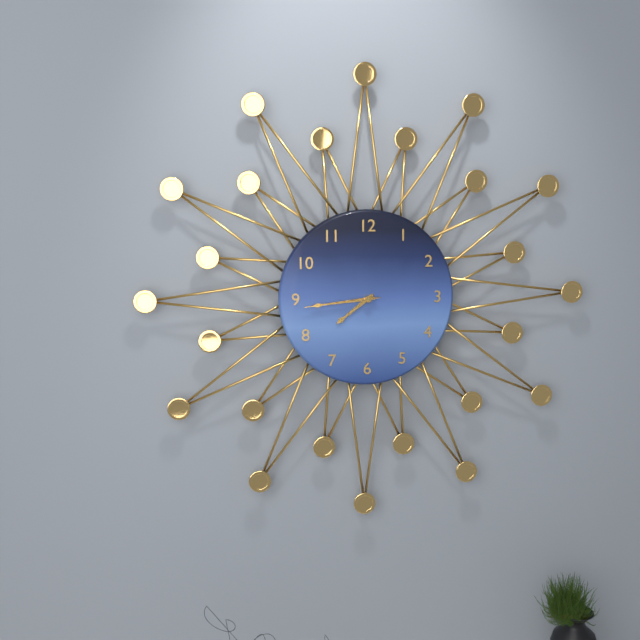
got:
7:44:44
